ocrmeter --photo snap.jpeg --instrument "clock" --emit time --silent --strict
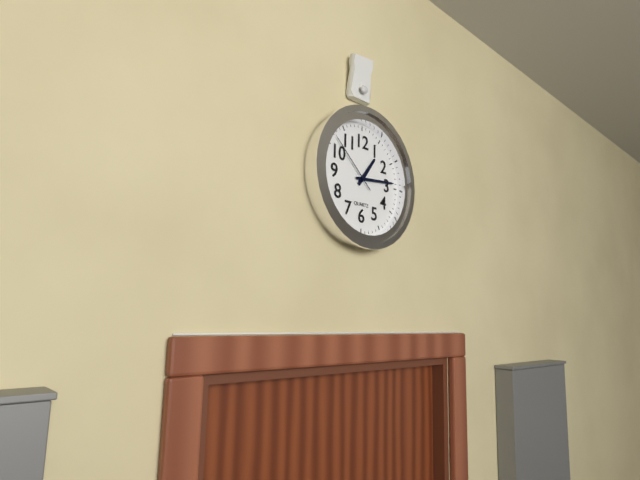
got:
1:14:52
